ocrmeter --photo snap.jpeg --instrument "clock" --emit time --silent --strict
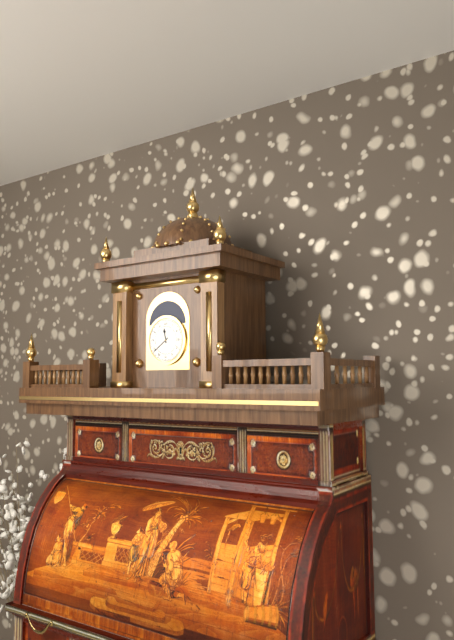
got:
11:39
